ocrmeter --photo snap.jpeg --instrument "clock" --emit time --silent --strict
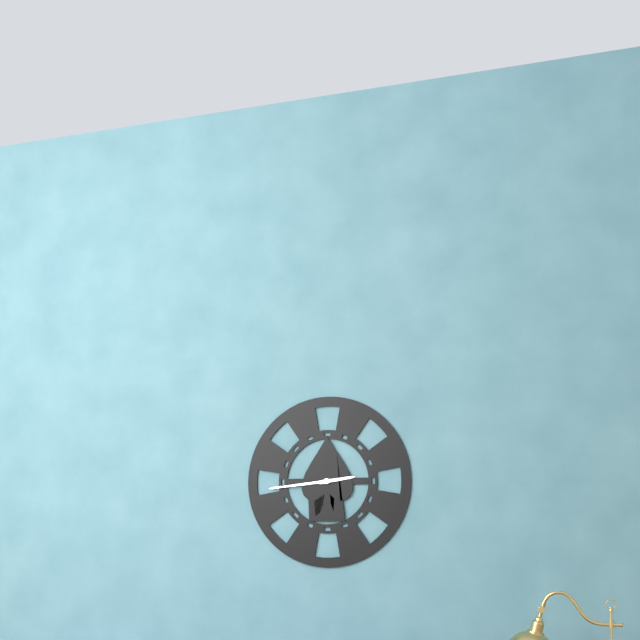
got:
2:44
